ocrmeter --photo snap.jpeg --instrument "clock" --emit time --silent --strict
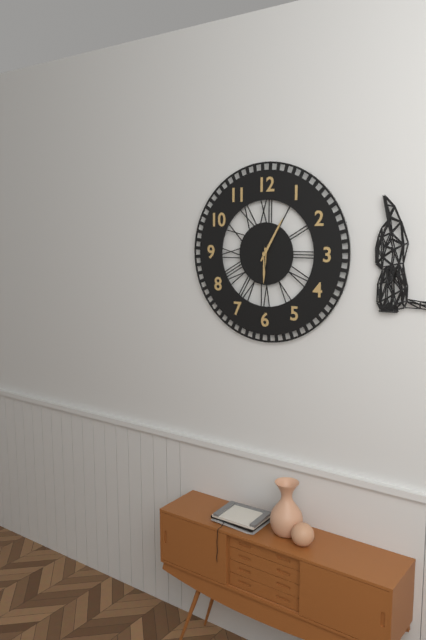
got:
6:05
